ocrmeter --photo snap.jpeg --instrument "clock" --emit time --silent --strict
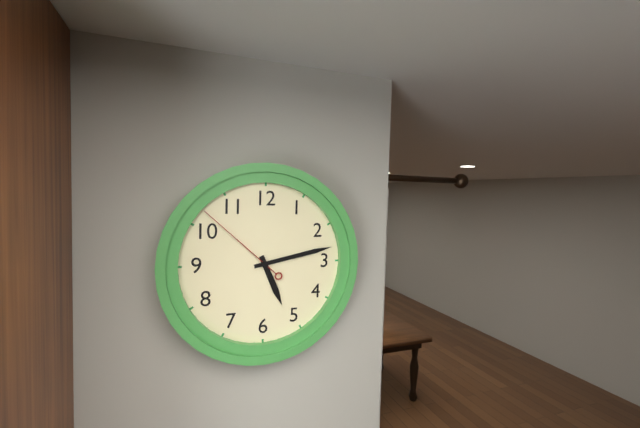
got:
5:13:52
